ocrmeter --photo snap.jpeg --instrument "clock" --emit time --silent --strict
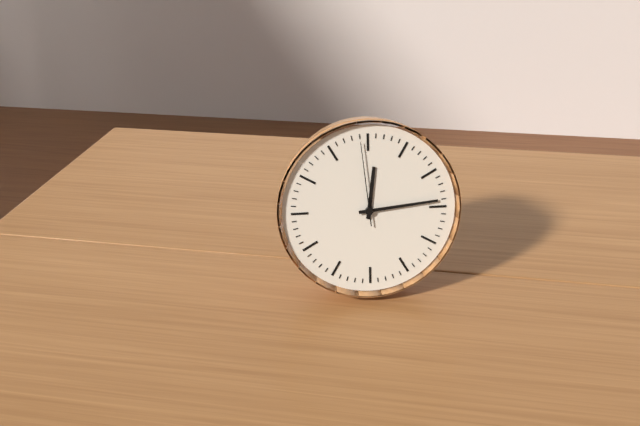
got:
12:14:59
